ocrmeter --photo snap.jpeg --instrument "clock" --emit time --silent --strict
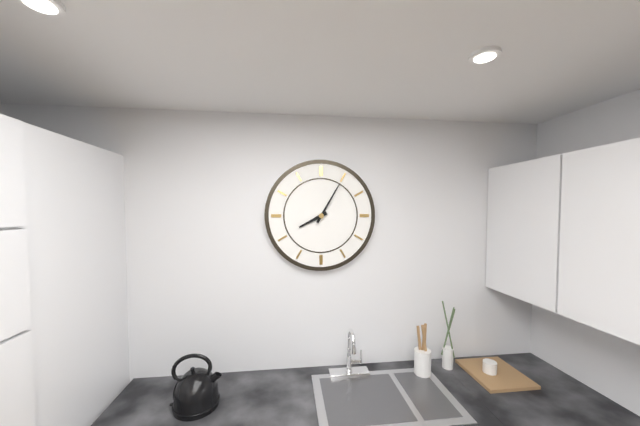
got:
8:05
